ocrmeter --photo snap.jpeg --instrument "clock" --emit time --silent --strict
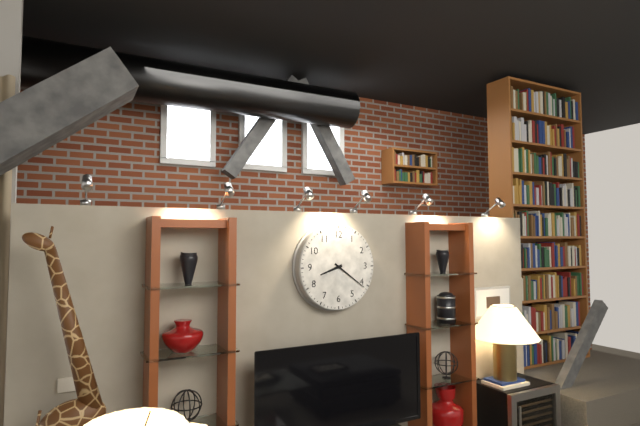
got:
8:21
